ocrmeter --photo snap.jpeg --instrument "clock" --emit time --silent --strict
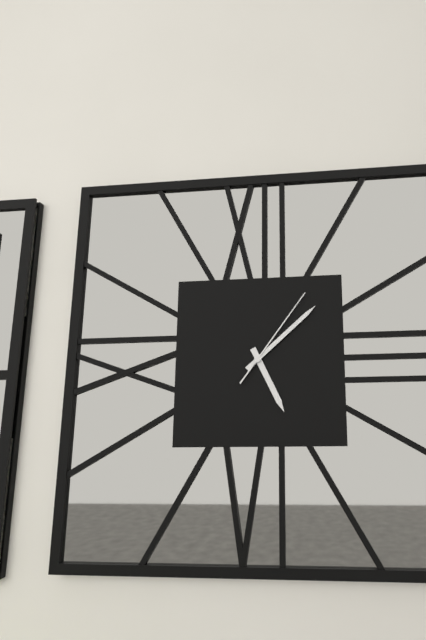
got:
5:08:06
